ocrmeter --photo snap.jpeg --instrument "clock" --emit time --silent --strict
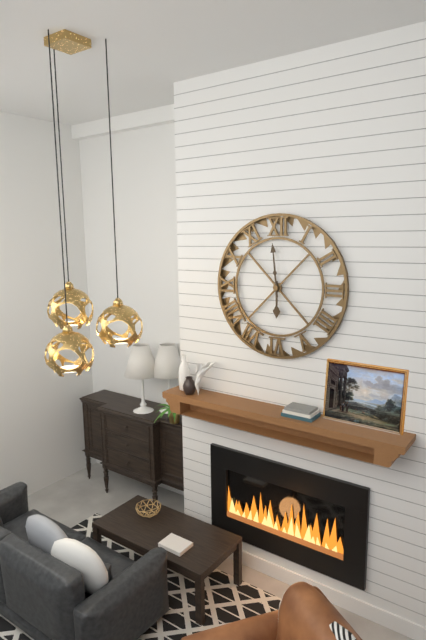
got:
5:59
